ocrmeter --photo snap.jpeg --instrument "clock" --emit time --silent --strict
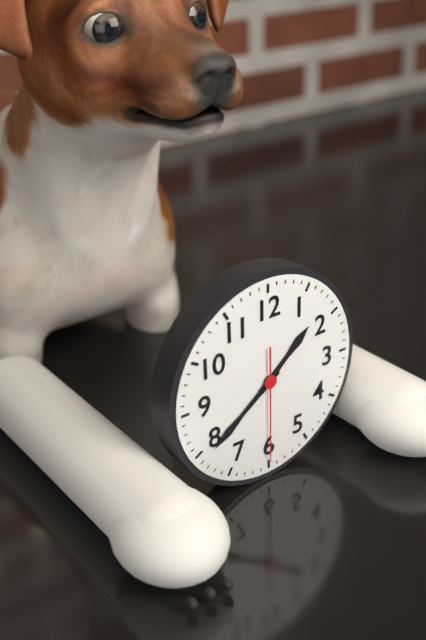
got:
1:39:30
